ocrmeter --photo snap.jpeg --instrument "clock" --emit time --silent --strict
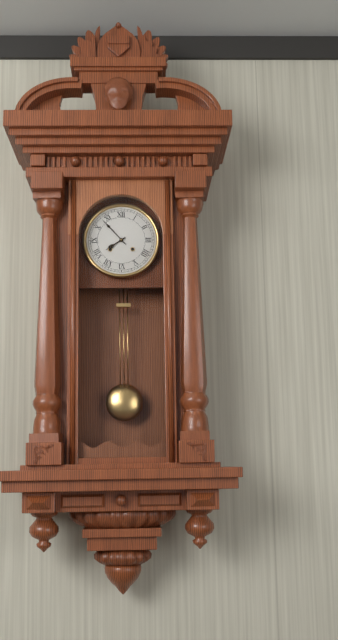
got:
7:53
